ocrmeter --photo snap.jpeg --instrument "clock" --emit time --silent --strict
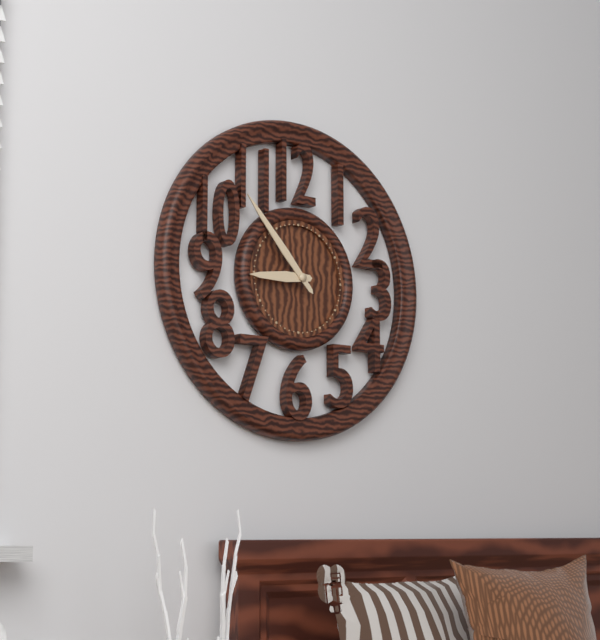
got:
8:53
